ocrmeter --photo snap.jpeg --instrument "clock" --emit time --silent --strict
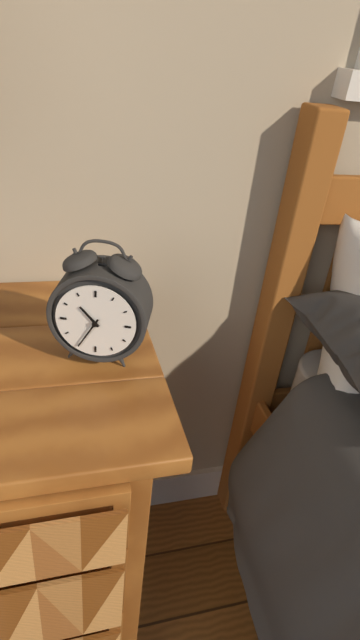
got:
10:35
